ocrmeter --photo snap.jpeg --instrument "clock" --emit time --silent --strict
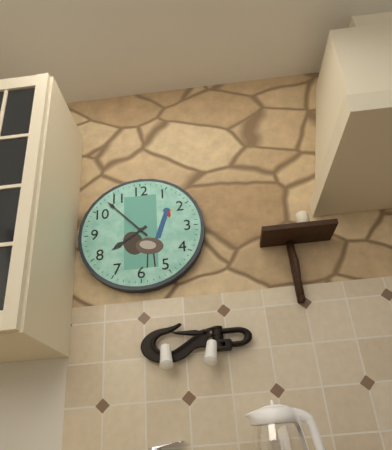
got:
7:53
